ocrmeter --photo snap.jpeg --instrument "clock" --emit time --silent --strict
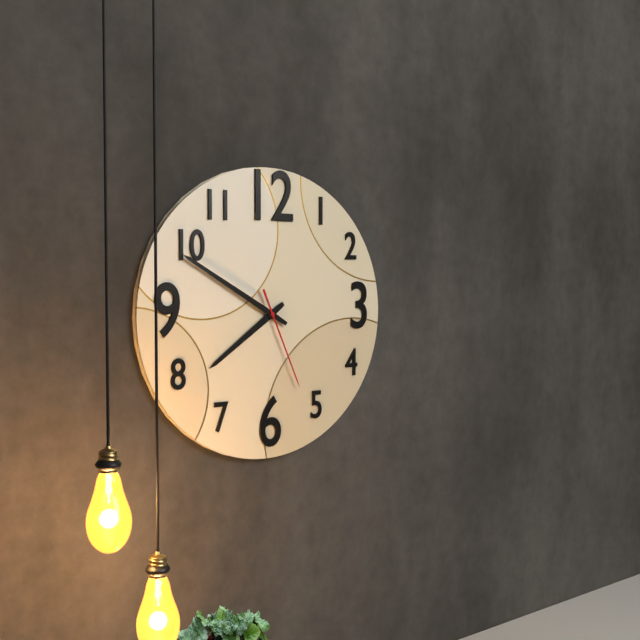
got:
7:50:26
